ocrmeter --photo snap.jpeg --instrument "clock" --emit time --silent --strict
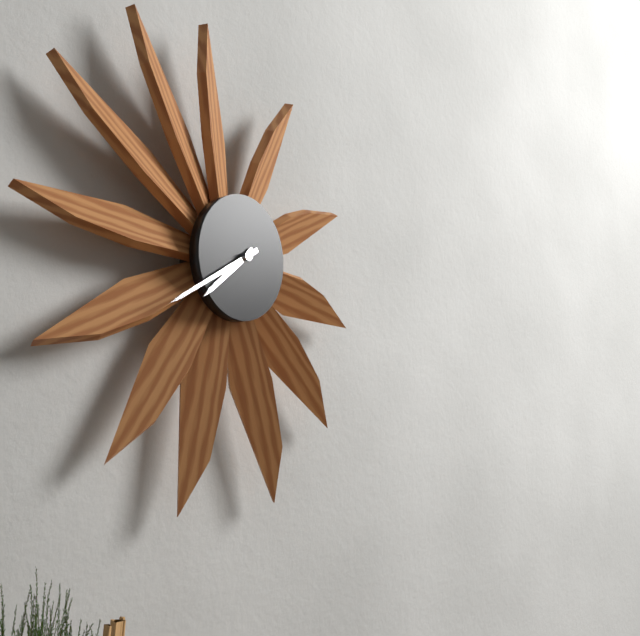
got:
7:40
